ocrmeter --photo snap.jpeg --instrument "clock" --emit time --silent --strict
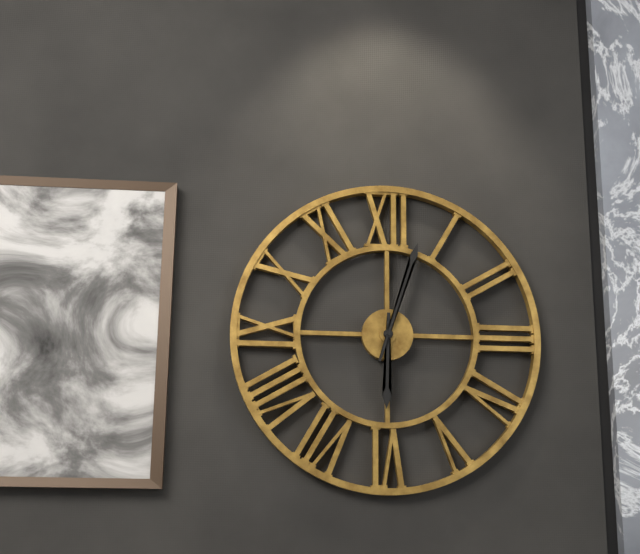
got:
6:03
